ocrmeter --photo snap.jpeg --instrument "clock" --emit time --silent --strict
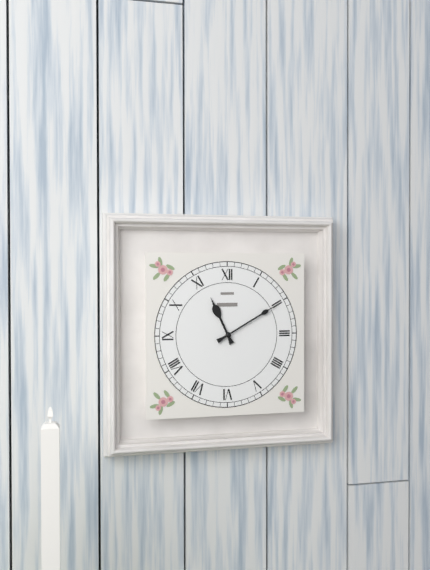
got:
11:10
